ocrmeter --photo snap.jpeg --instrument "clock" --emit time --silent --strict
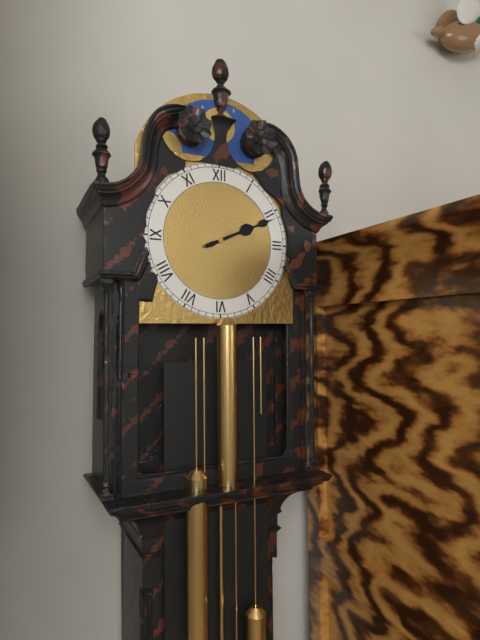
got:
2:11
